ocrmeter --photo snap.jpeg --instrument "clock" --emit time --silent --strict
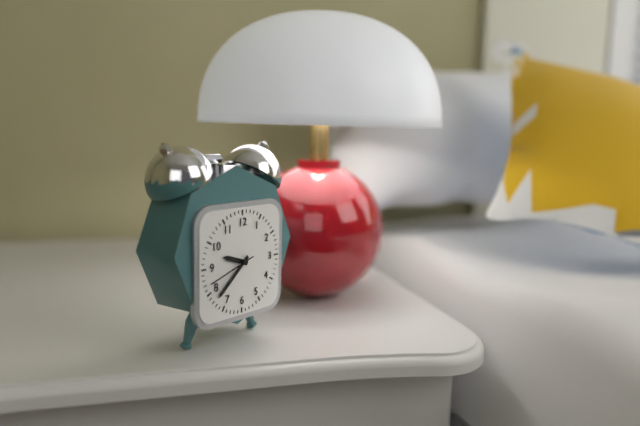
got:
9:38:42
